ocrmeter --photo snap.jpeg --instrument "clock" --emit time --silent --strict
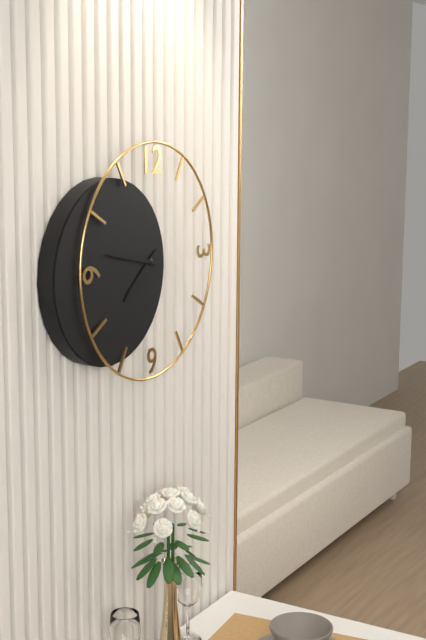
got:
7:47
